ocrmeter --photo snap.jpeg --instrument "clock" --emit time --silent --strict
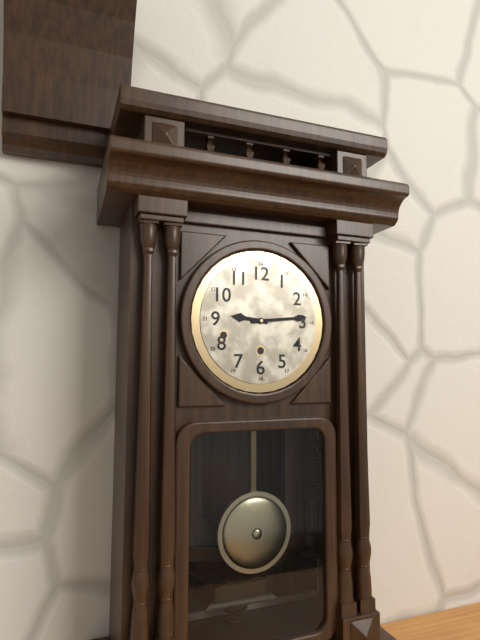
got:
9:14
